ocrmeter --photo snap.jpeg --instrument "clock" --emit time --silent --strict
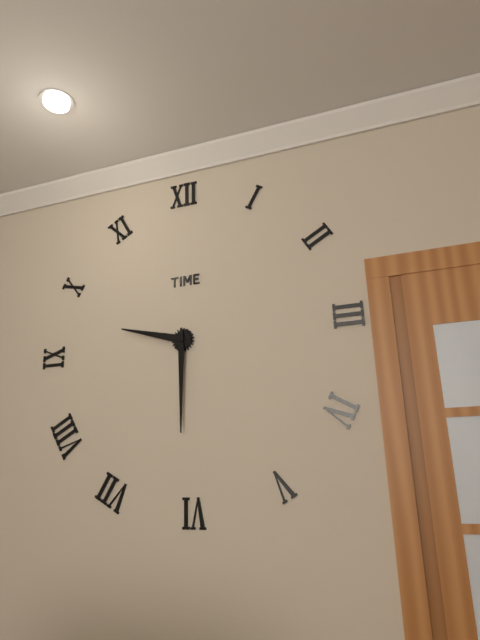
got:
9:30
